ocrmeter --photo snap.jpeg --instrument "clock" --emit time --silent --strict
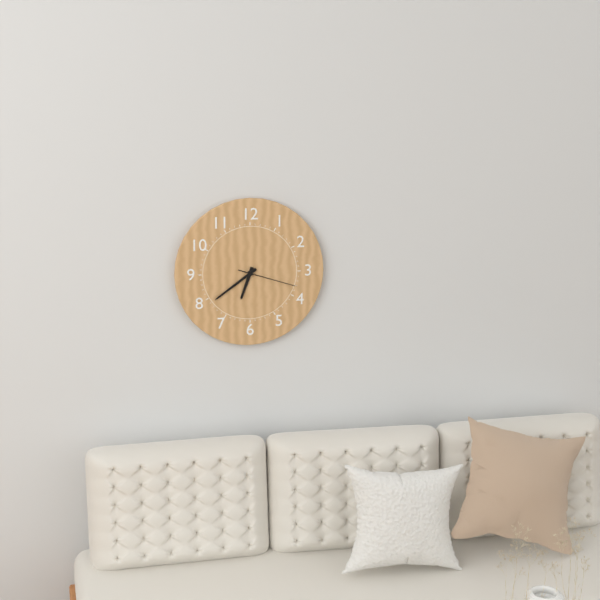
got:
6:39:18
